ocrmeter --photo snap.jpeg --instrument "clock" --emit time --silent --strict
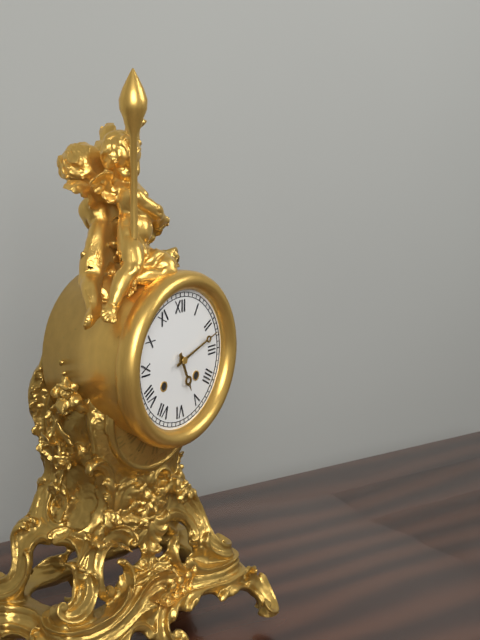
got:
5:12
